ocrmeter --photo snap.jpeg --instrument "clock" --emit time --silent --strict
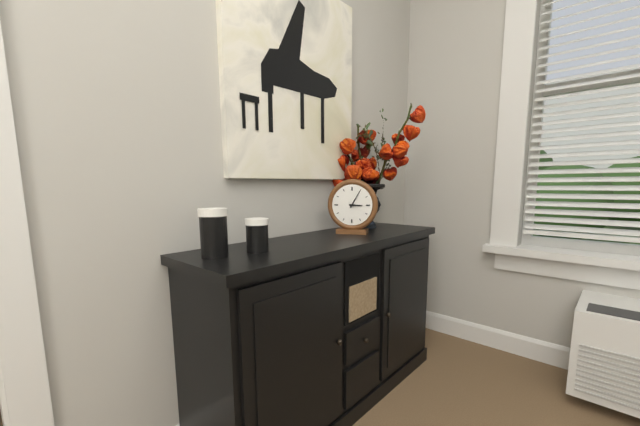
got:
3:05
